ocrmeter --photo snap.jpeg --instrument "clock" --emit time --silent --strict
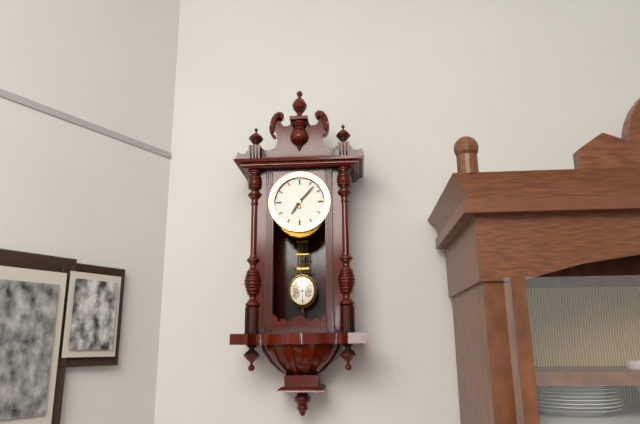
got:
7:07
